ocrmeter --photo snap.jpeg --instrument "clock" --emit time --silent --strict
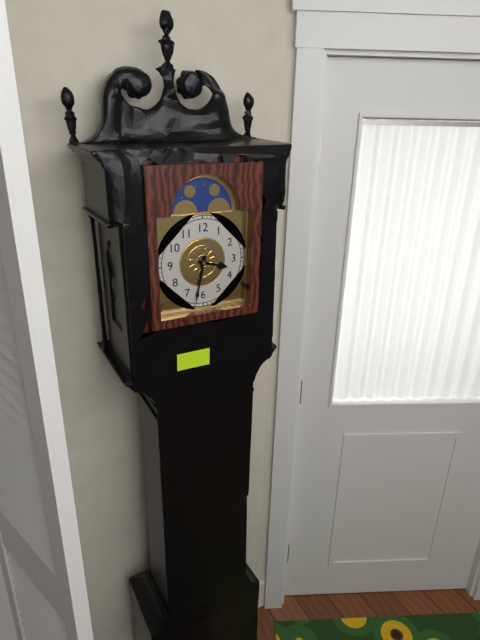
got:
3:32
